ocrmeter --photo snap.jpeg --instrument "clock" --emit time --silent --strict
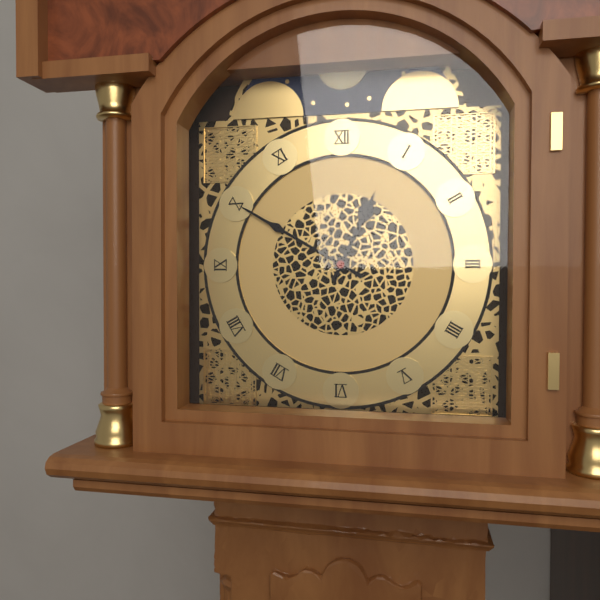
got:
12:50
